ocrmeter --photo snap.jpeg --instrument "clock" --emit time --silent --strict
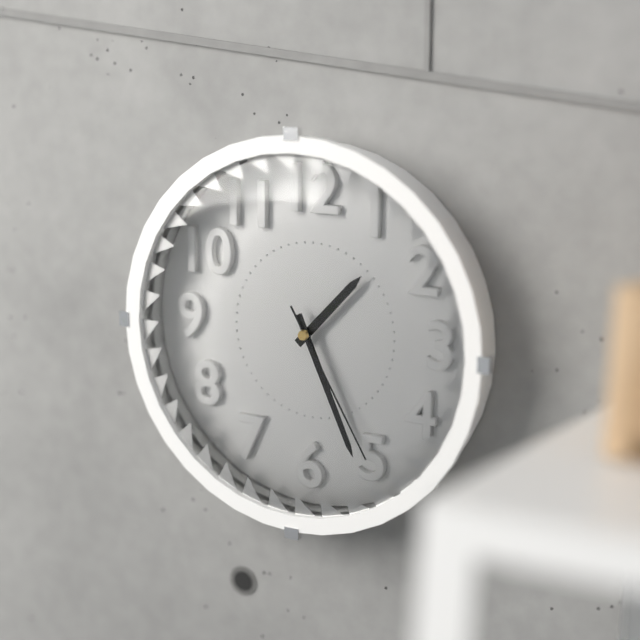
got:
1:26:25
